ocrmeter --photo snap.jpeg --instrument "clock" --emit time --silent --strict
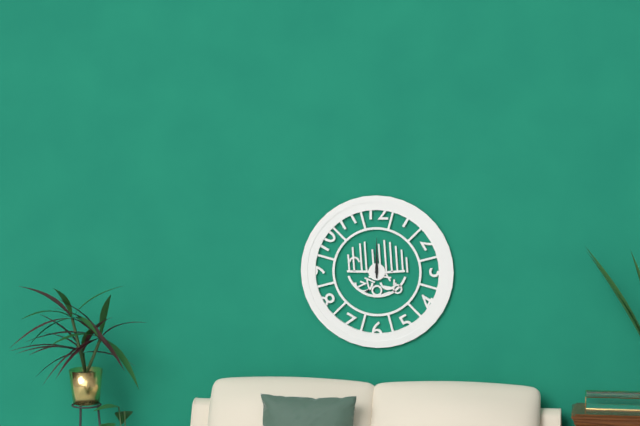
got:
12:00
